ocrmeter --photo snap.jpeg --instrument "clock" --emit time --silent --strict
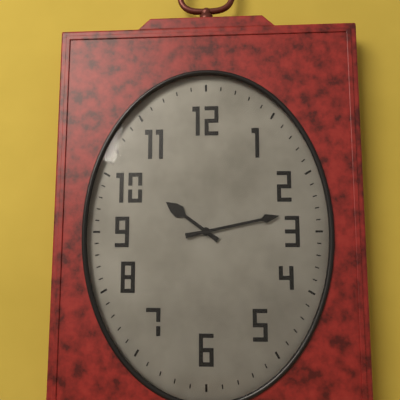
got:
10:13
